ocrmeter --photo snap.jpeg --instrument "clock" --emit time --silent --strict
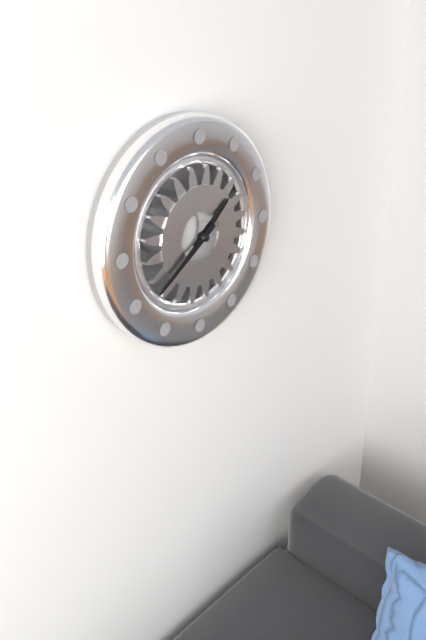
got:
1:39
